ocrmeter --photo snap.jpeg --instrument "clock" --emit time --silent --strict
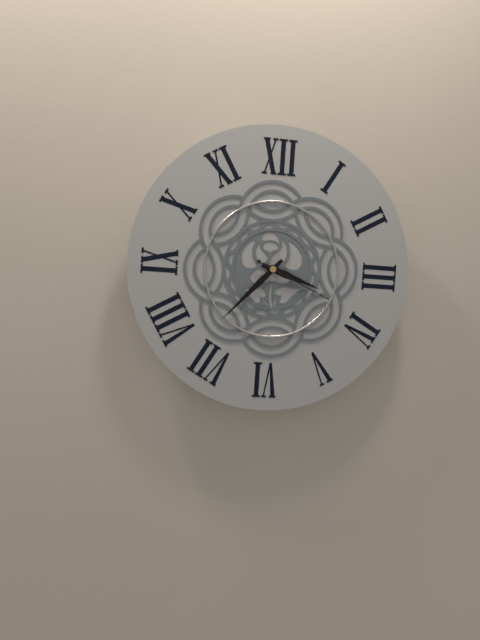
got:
3:37:19
